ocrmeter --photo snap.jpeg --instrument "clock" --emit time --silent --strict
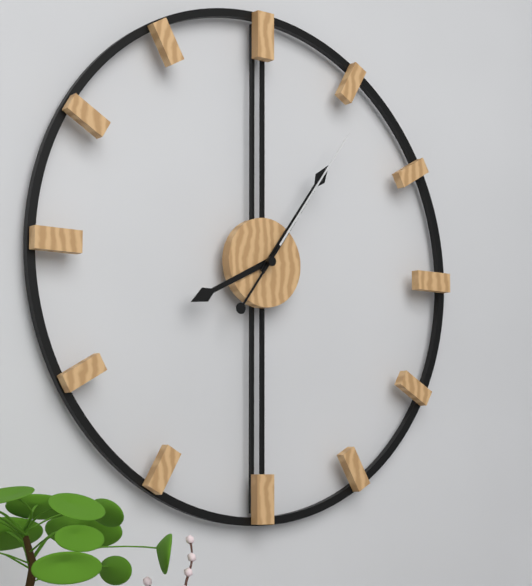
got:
8:06:06
